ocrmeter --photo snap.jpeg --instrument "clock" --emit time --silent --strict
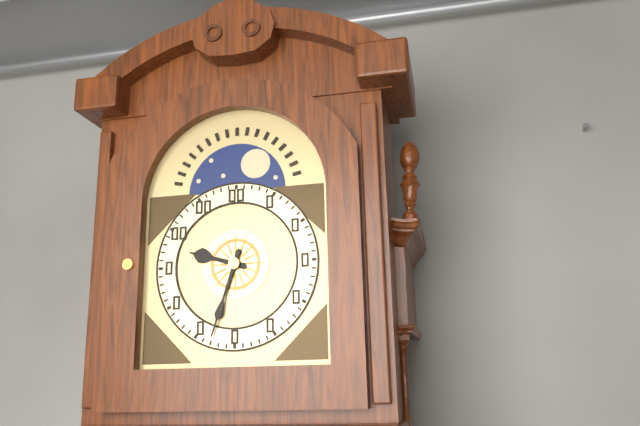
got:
9:33
